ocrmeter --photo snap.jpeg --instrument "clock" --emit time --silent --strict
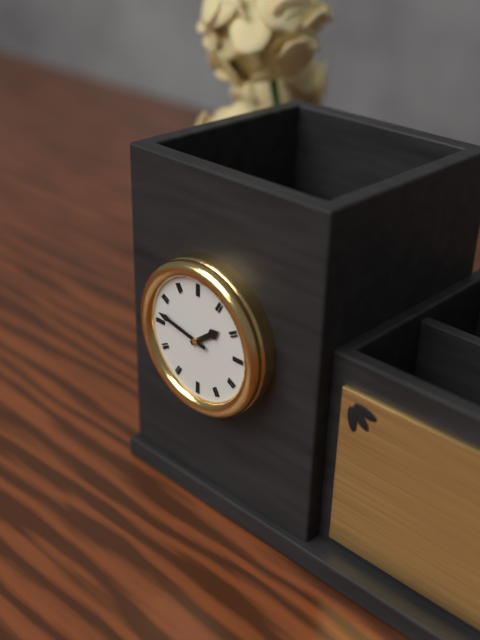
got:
1:47
